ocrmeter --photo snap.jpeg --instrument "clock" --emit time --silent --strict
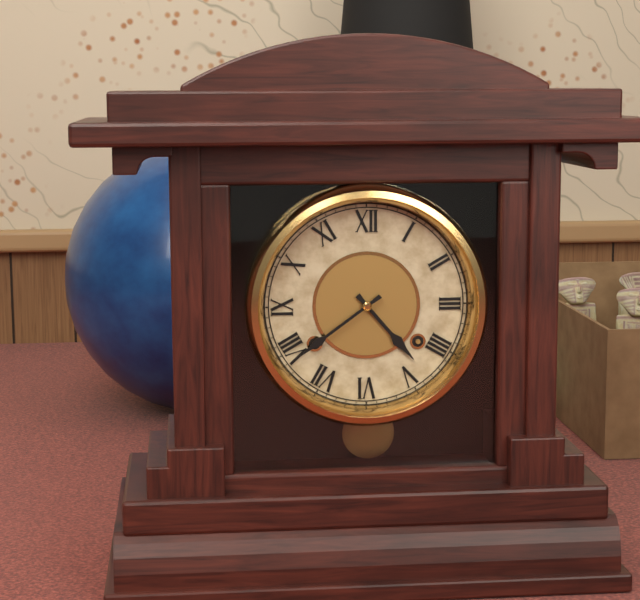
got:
4:39
